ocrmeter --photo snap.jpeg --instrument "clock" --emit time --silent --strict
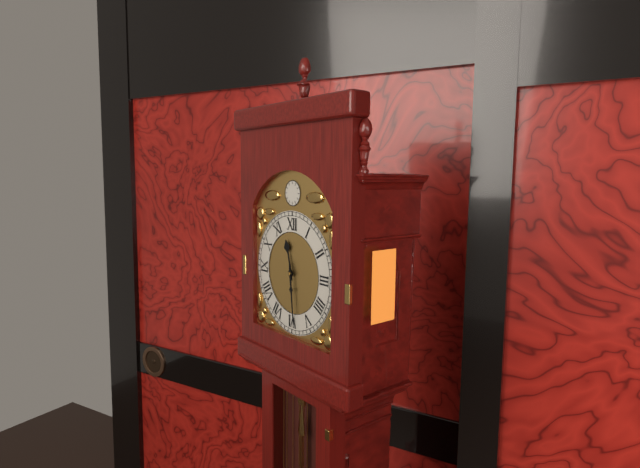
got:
11:29
